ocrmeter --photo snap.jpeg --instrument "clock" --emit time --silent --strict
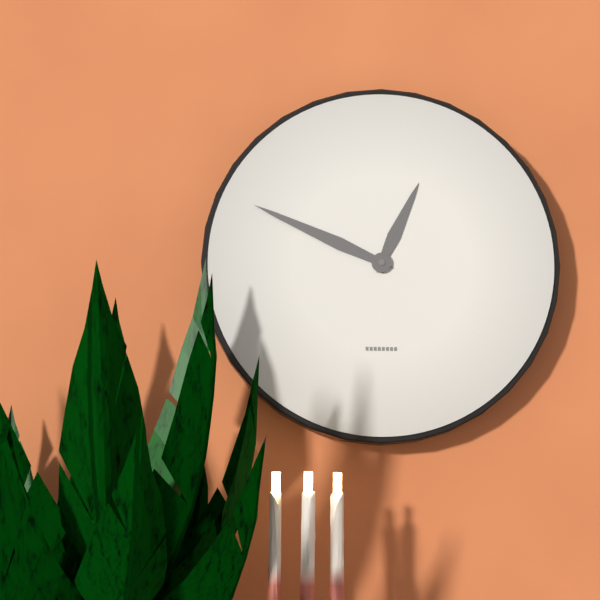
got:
12:49
